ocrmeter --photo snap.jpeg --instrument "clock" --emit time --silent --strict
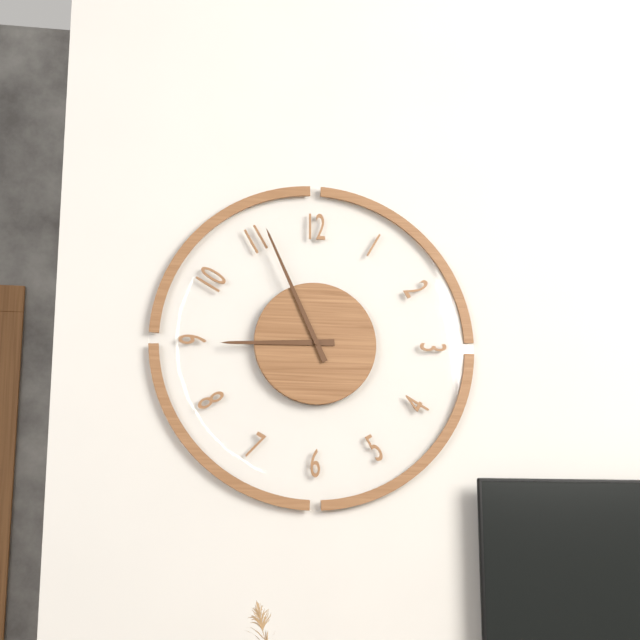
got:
8:56
